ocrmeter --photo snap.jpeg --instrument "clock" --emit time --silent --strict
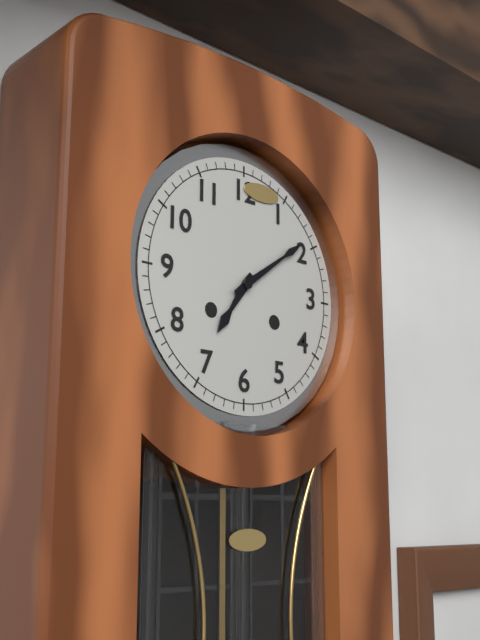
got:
7:09
